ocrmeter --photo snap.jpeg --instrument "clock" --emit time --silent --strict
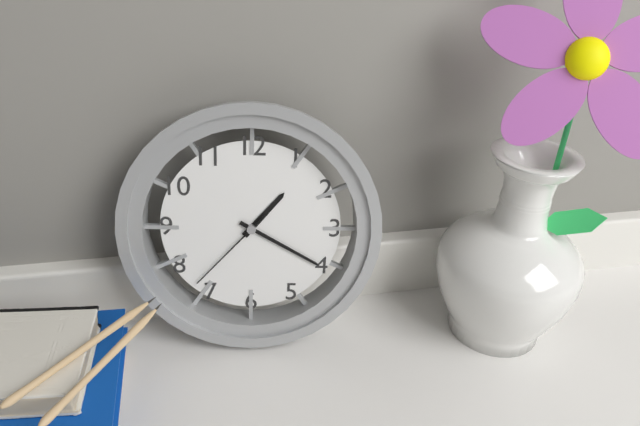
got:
1:20:37
